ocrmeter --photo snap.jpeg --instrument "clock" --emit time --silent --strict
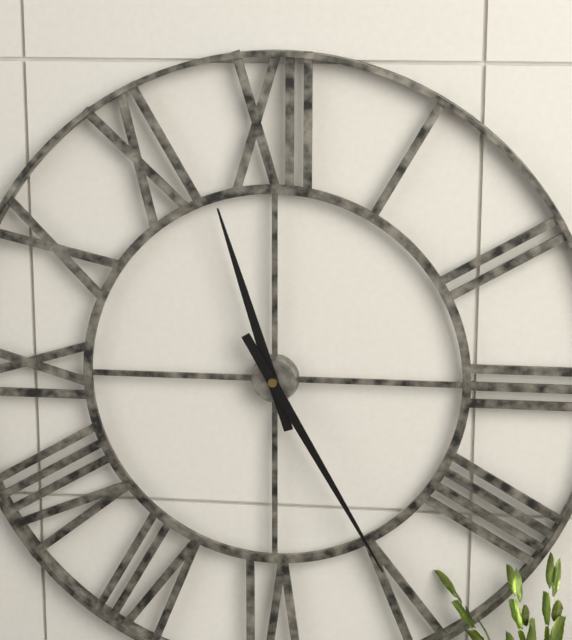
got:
11:25
